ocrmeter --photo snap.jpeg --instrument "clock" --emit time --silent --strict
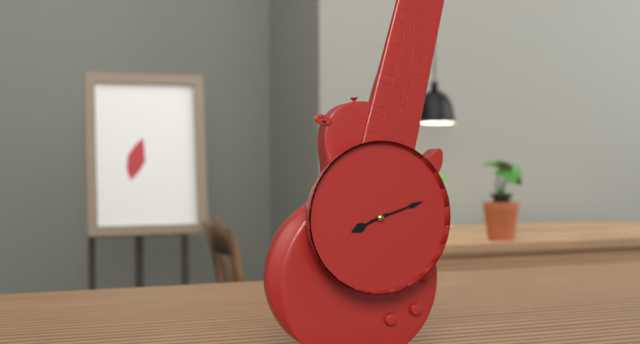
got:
8:12
